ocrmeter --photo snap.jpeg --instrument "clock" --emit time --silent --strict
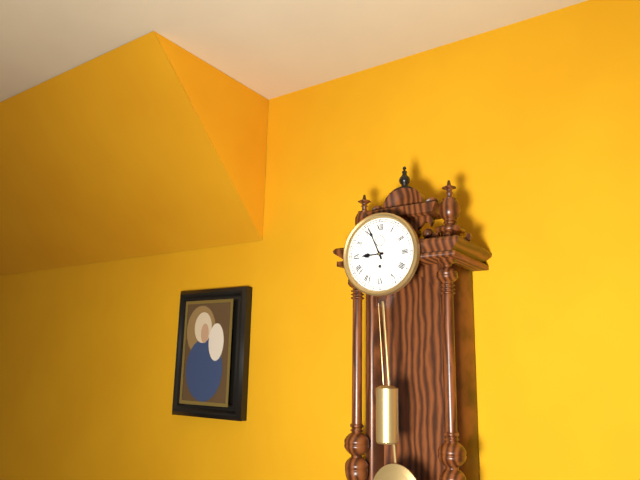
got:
8:56
